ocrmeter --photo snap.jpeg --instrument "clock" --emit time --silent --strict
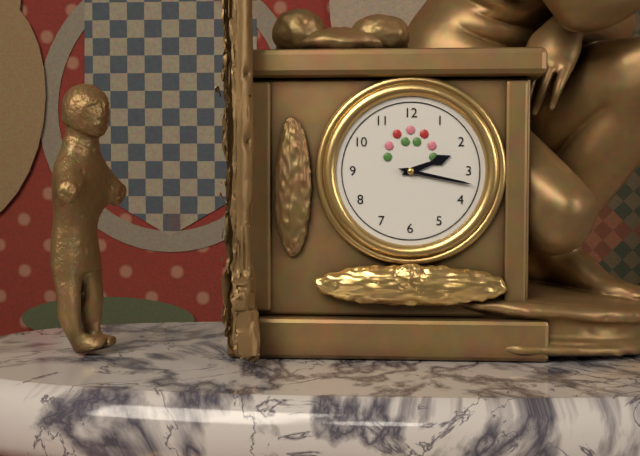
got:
2:17
